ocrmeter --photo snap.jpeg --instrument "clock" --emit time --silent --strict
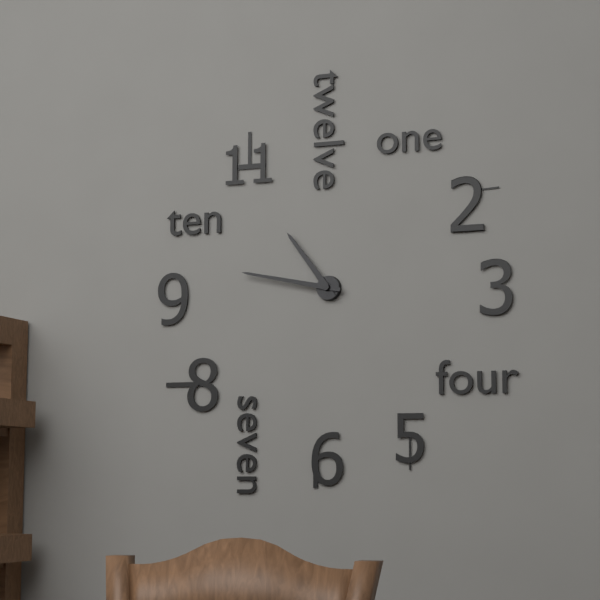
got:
10:47
